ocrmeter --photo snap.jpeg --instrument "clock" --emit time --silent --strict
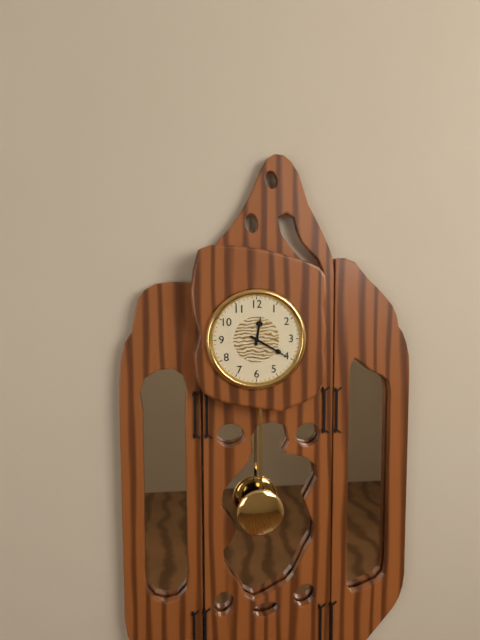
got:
12:20
